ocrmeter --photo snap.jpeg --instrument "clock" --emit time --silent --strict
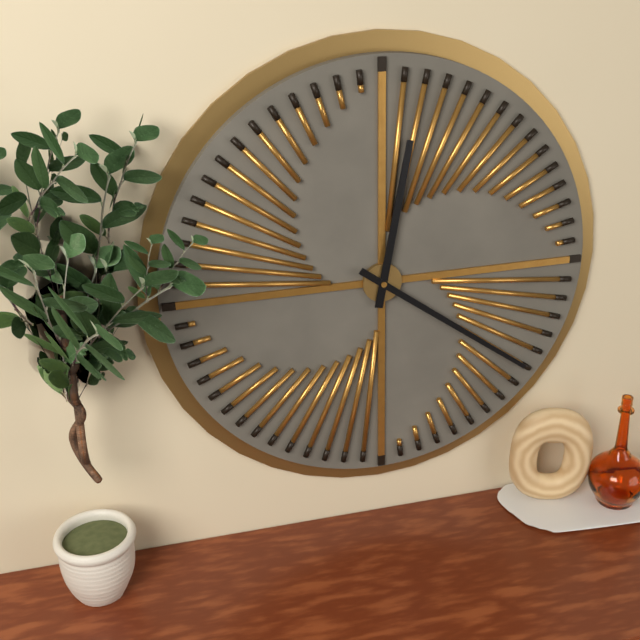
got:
12:21
